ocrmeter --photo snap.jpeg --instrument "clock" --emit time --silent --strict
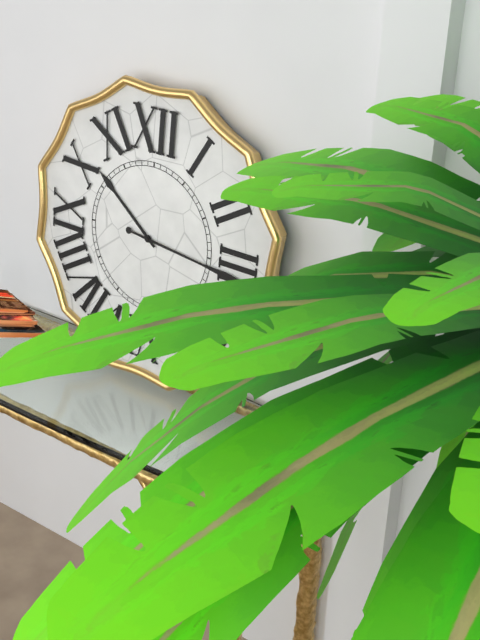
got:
10:16
